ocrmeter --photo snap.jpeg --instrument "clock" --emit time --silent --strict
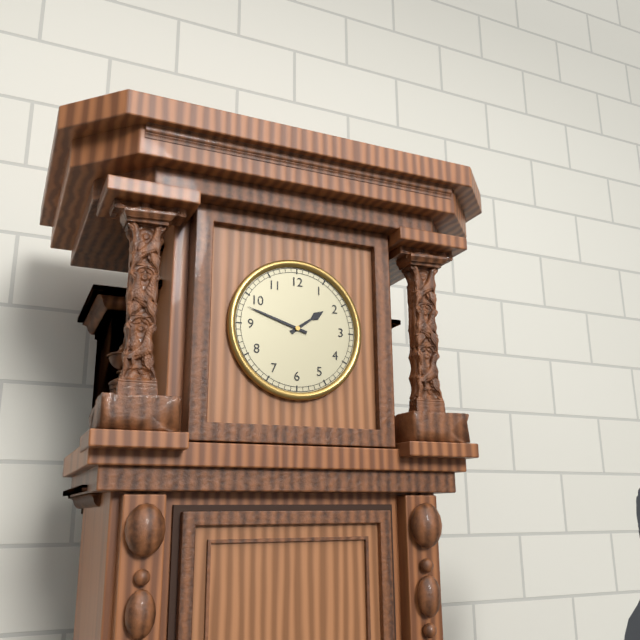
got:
1:48
